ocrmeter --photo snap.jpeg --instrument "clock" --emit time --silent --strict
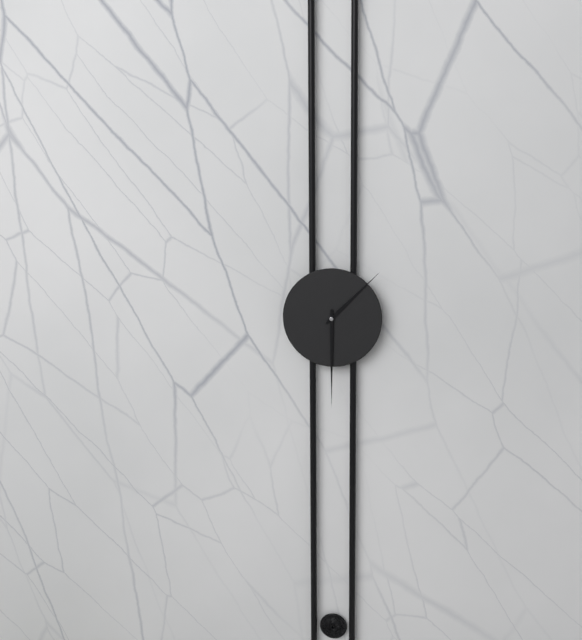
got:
1:30
